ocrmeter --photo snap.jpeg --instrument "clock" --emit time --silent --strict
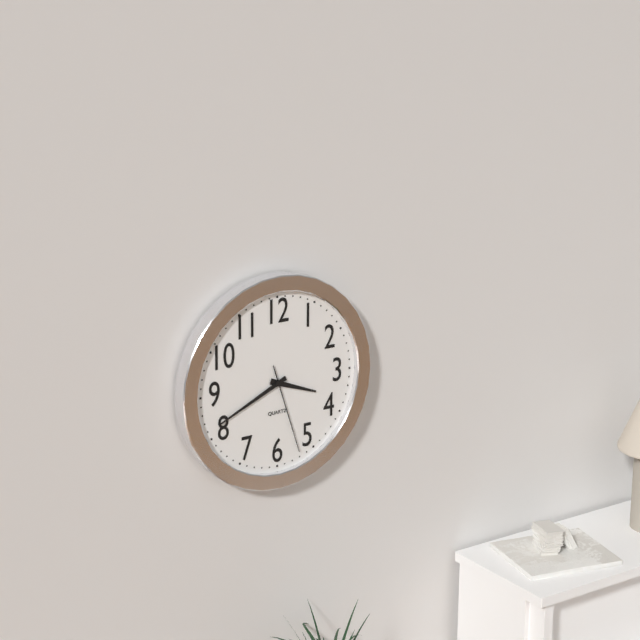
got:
3:41:27
